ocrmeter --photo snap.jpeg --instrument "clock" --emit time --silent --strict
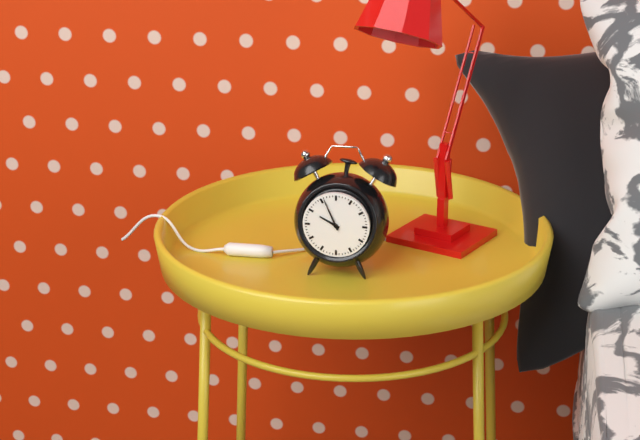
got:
9:56
